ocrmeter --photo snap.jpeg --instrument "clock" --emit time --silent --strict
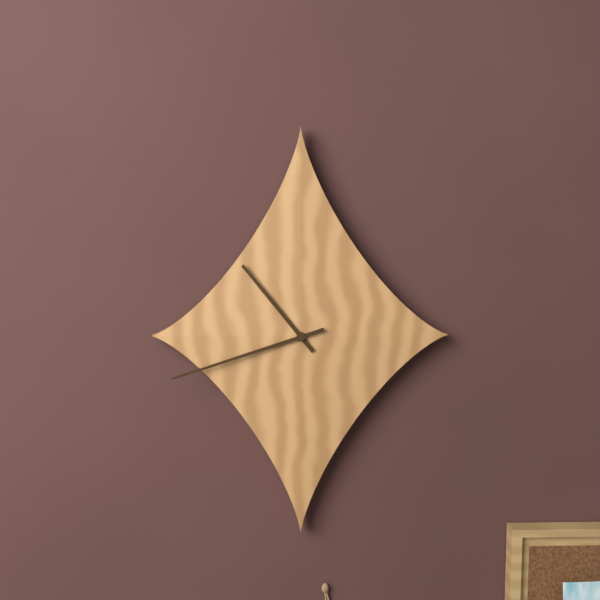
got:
10:42
